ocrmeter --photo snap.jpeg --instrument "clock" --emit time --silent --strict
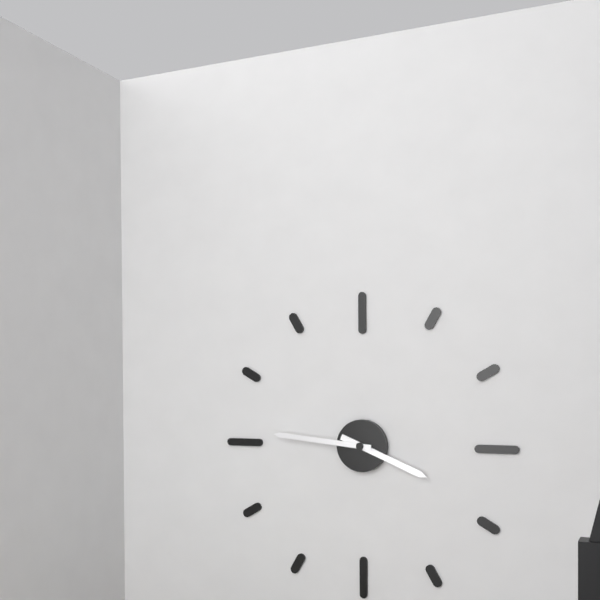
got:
3:46
